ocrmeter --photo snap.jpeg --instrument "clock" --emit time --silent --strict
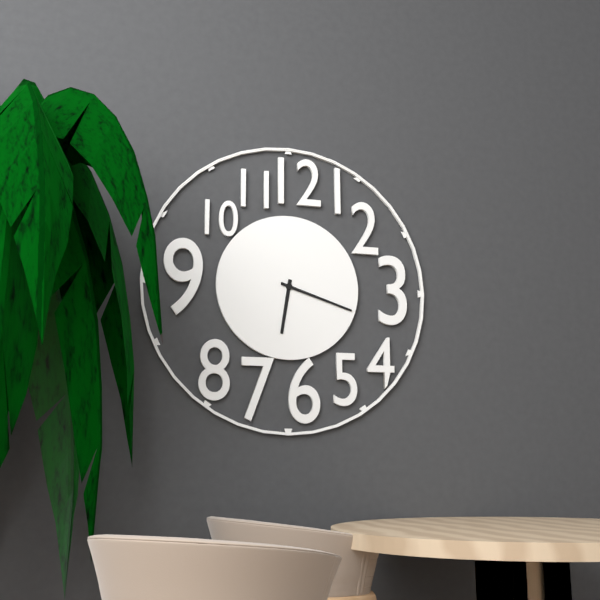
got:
6:18
